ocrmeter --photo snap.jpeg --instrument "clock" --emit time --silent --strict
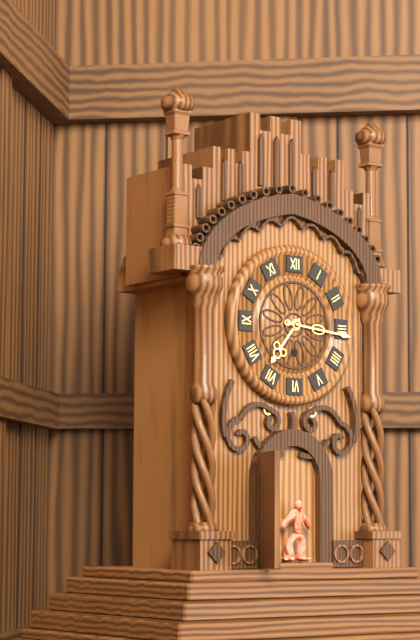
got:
7:16
